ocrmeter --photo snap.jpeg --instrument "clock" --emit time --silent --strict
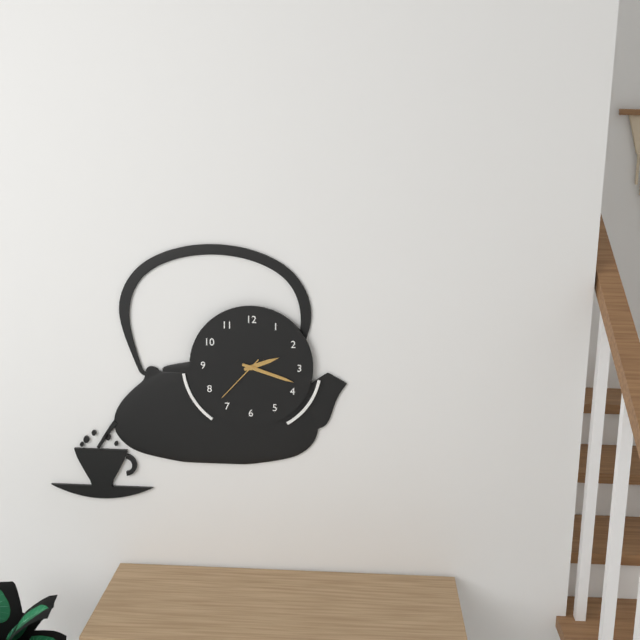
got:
2:18:37
